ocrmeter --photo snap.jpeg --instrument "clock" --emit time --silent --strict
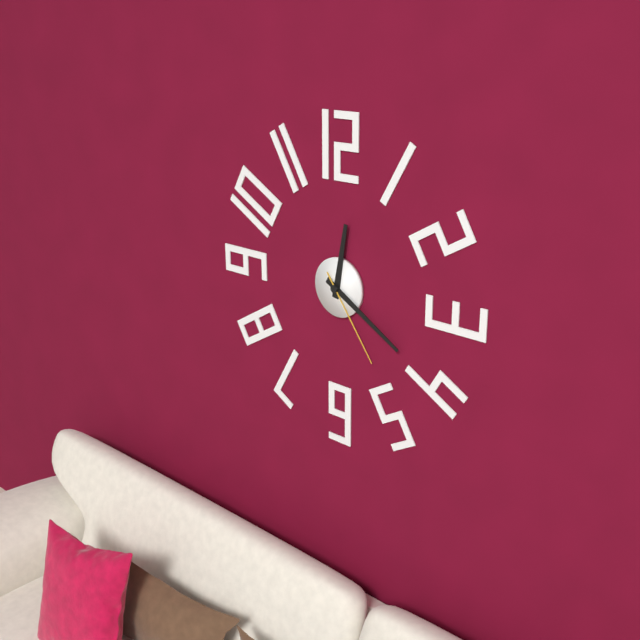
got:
12:20:24
